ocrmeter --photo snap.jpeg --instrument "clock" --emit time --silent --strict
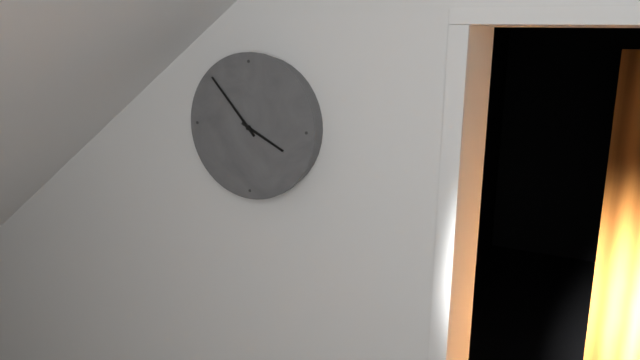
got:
3:53
